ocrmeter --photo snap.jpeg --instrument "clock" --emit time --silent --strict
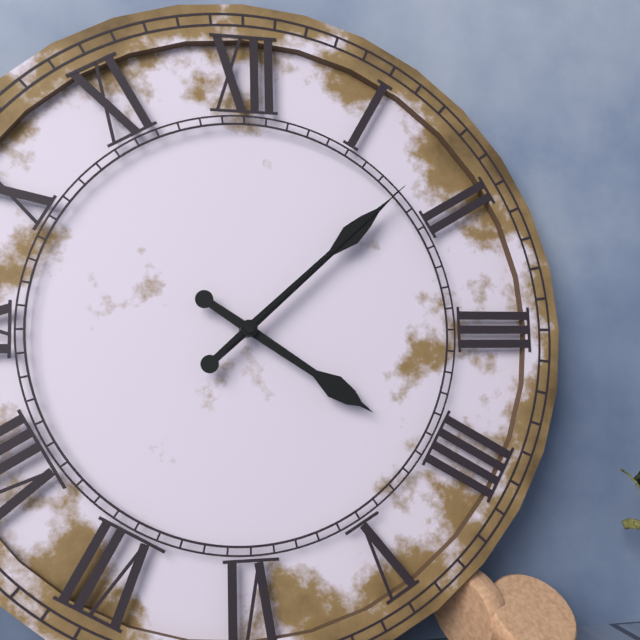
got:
4:08:08
